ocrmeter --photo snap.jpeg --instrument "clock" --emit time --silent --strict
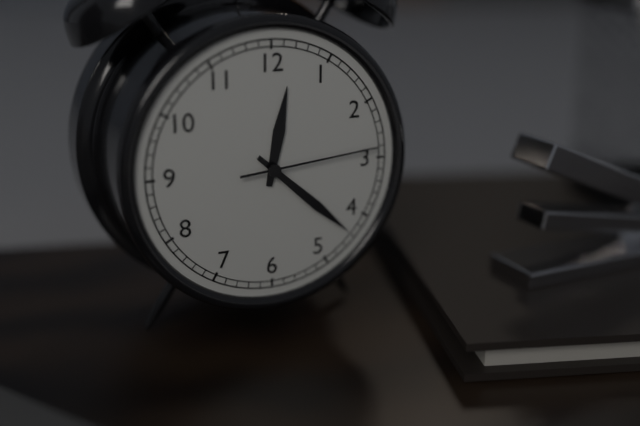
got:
12:22:14
